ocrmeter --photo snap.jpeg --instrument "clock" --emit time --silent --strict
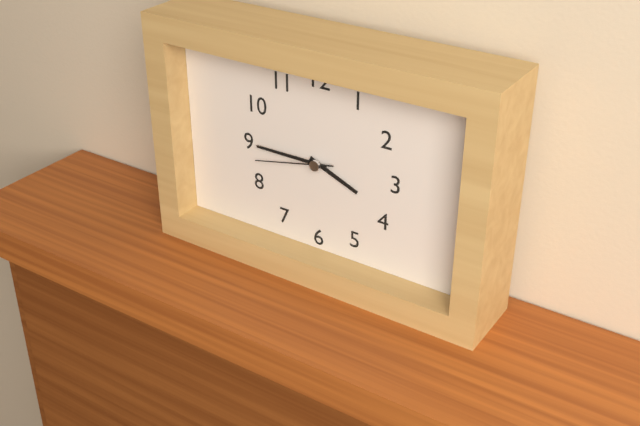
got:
3:45:43
